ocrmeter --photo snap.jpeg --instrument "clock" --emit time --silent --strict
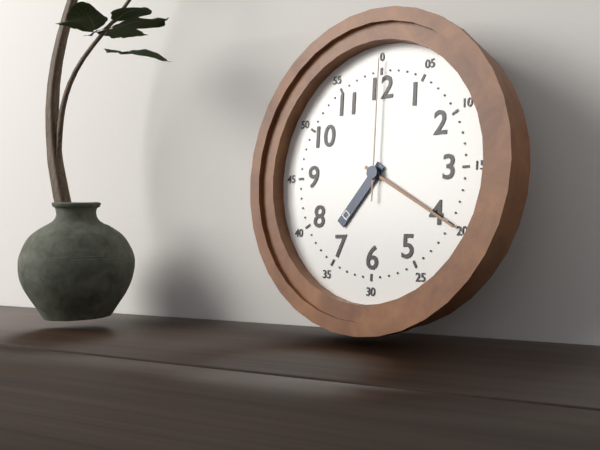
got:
7:20:00
